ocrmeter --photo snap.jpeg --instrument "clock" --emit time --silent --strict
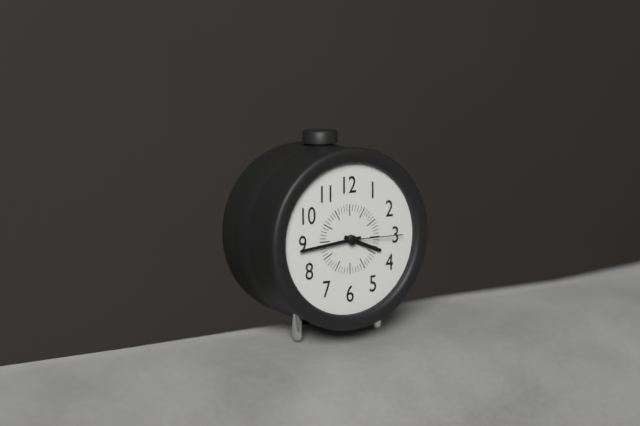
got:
3:44:15
